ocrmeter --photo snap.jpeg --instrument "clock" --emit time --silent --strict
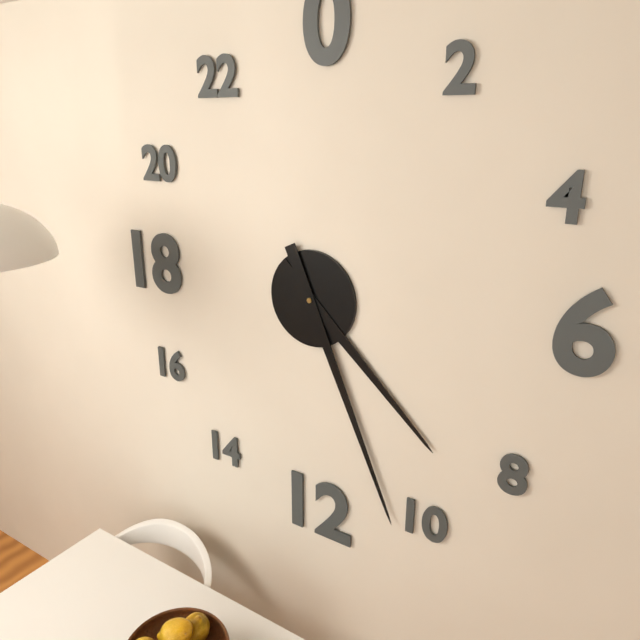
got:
4:26
